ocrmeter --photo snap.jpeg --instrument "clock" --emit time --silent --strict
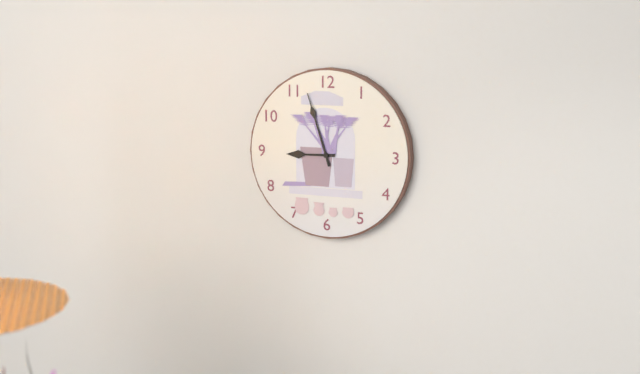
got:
8:57
